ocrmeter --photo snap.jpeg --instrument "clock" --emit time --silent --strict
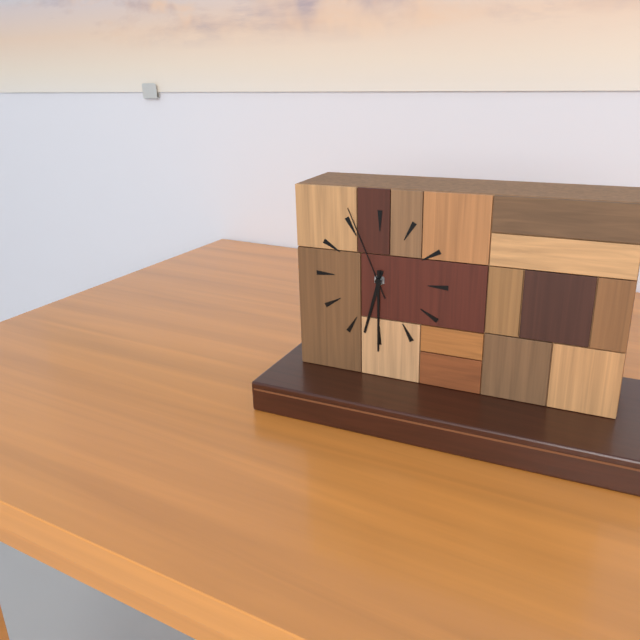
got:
6:30:56
